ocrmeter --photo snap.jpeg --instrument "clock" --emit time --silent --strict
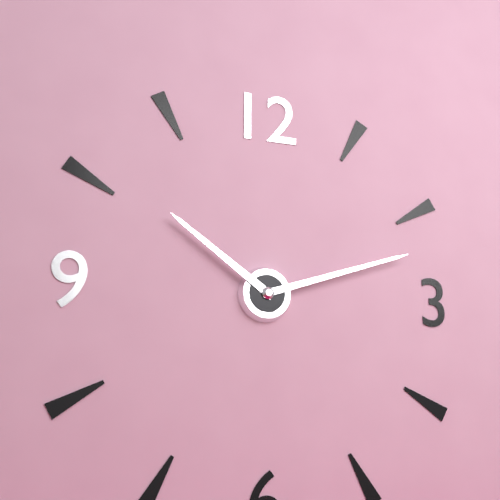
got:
10:12
